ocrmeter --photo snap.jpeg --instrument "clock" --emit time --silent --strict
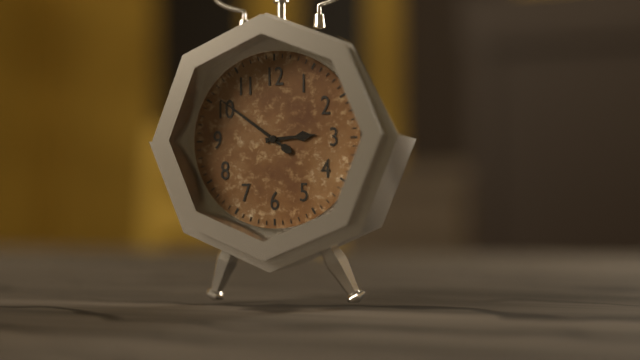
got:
2:51
